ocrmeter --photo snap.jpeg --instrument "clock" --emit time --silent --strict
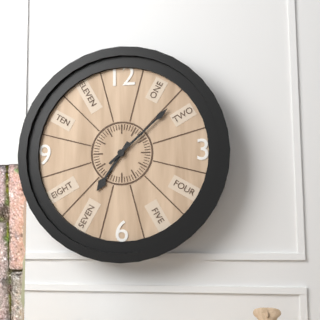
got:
7:08
